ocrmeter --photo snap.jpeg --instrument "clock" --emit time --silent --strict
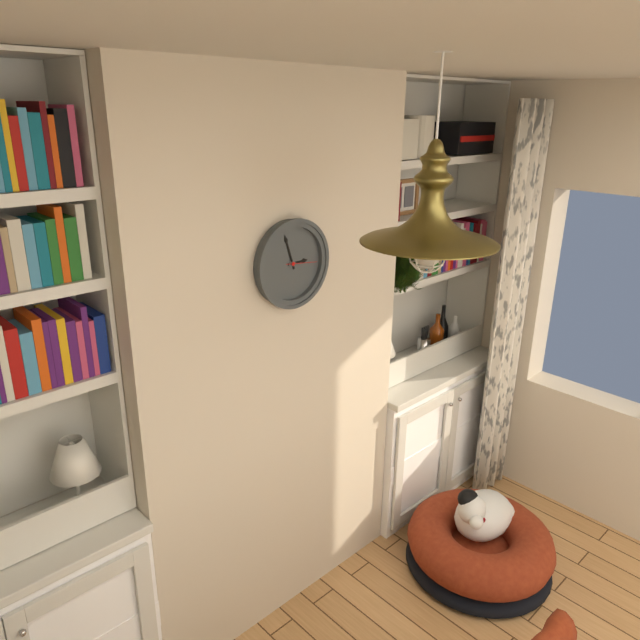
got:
2:57
